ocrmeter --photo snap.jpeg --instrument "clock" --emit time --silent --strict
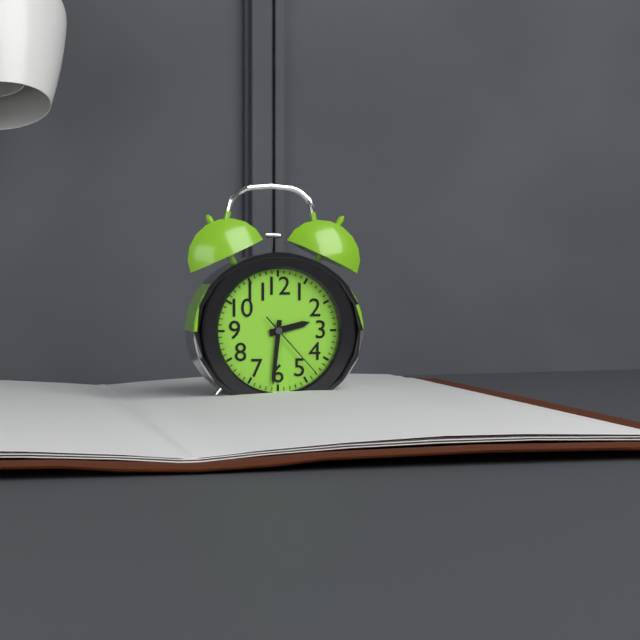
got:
2:31:23
